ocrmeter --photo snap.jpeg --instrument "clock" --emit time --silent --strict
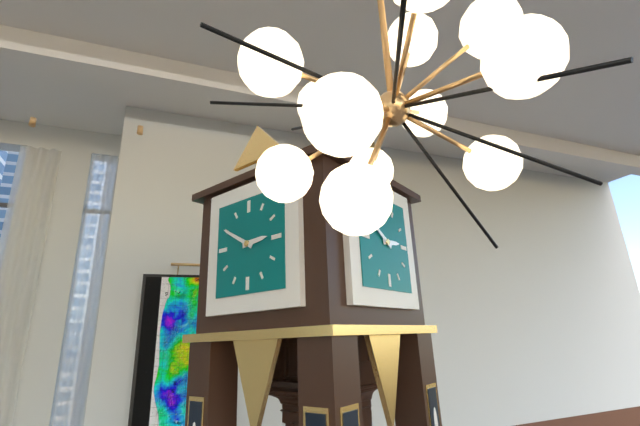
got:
2:50
